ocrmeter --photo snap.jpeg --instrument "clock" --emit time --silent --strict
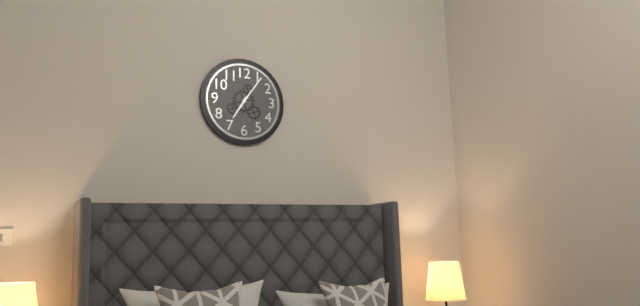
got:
7:06
